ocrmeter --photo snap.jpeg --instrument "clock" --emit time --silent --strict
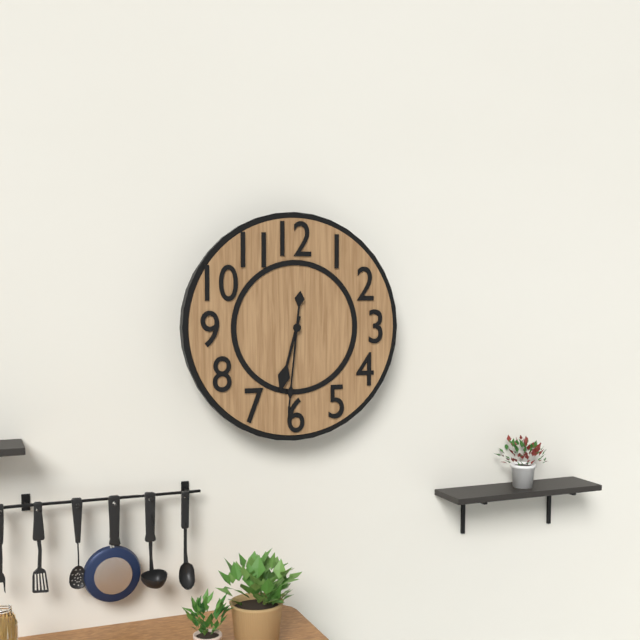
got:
6:31
